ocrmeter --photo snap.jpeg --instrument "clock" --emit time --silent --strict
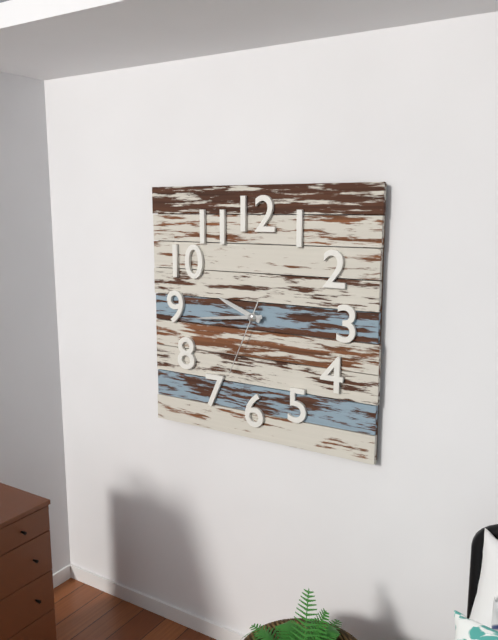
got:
9:44:34
